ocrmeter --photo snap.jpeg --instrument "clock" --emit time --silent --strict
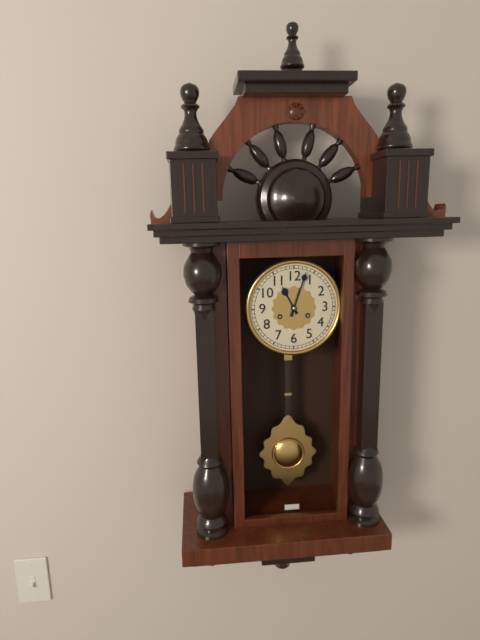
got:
11:03
